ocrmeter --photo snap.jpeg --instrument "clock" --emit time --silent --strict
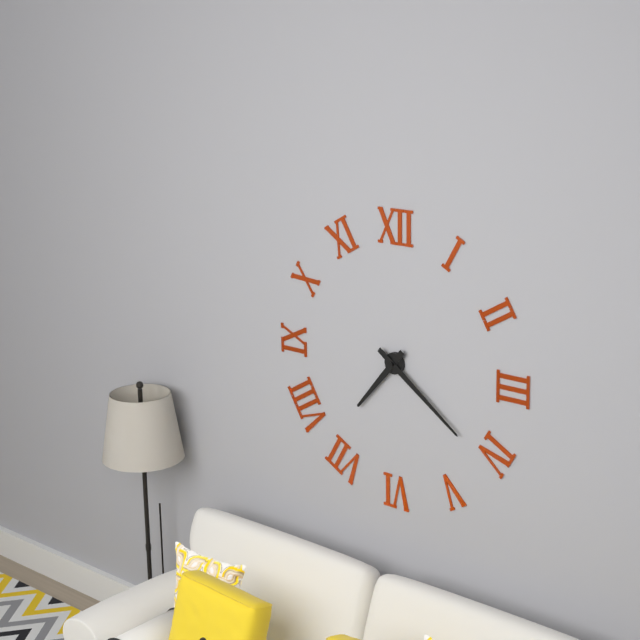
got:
7:21
